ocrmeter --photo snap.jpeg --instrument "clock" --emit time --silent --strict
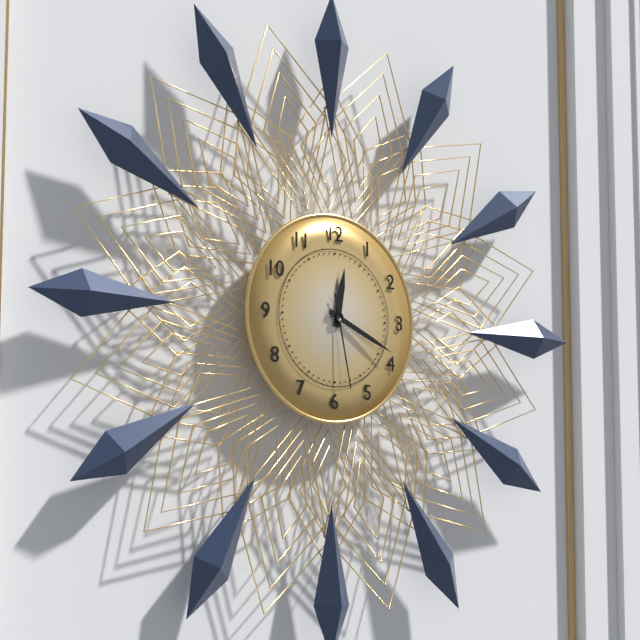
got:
12:19:28
